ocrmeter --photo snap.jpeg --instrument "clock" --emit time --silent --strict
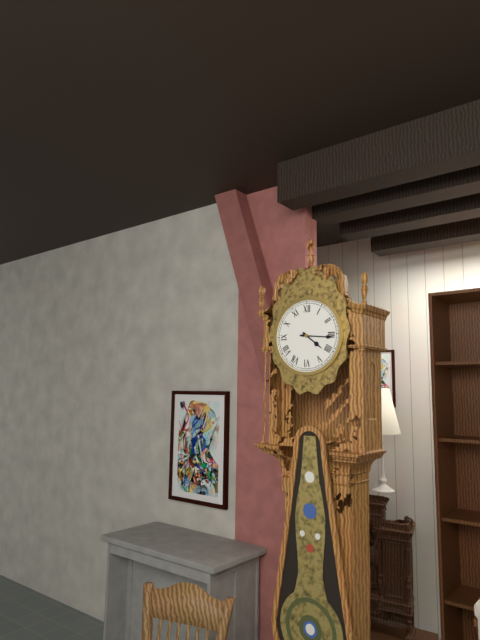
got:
4:16
